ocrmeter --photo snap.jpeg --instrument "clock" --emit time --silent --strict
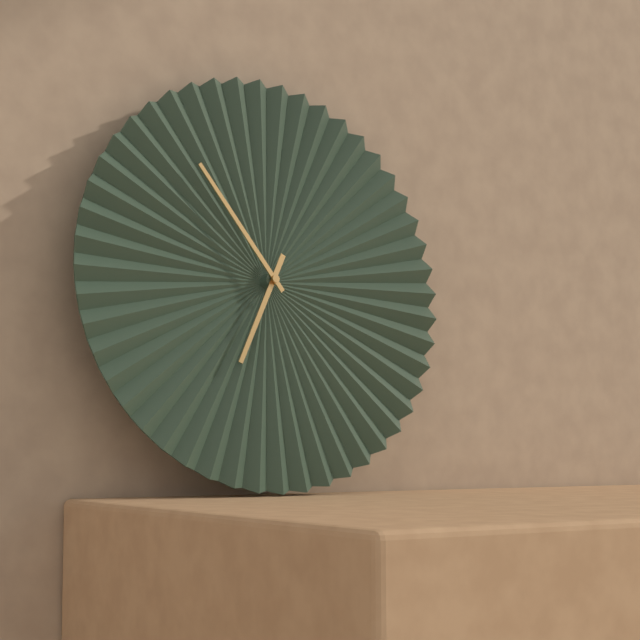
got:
6:54
